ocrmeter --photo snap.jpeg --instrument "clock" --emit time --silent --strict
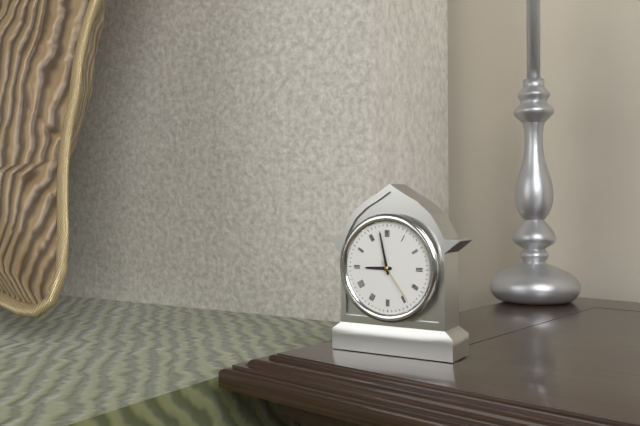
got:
8:58
